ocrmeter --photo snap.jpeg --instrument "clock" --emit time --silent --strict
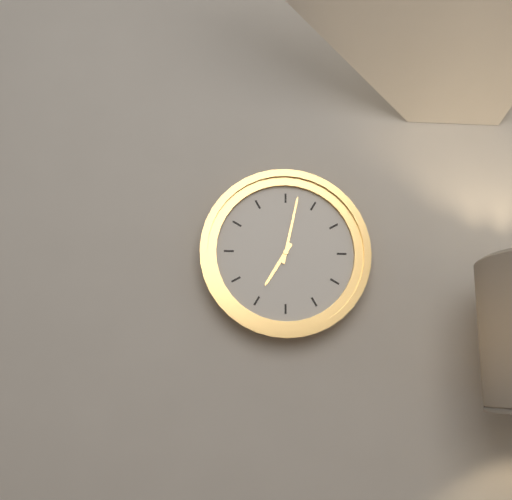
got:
7:02
